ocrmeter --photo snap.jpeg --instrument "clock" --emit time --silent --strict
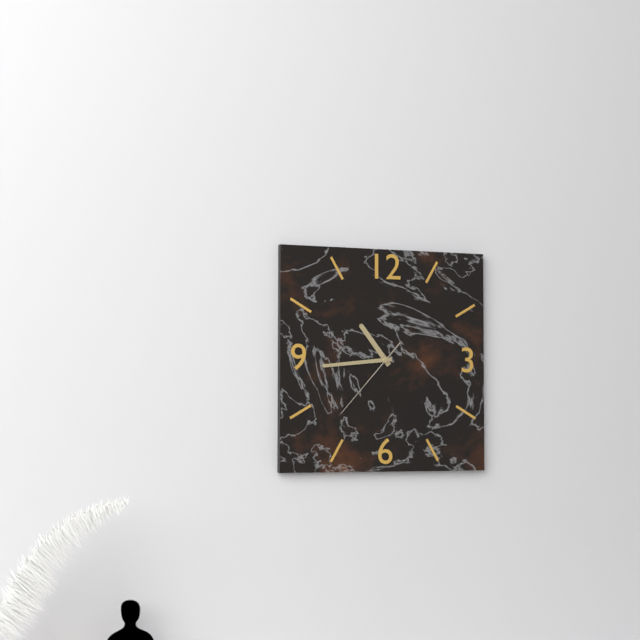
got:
10:44:37
